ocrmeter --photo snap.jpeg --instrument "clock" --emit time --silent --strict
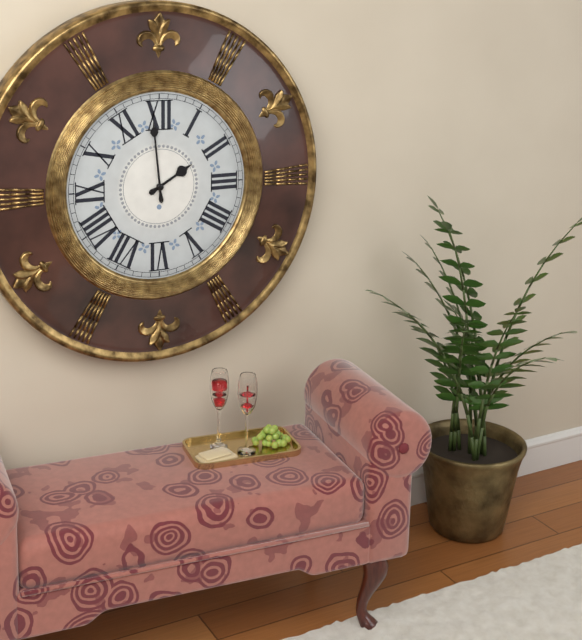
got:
1:59
